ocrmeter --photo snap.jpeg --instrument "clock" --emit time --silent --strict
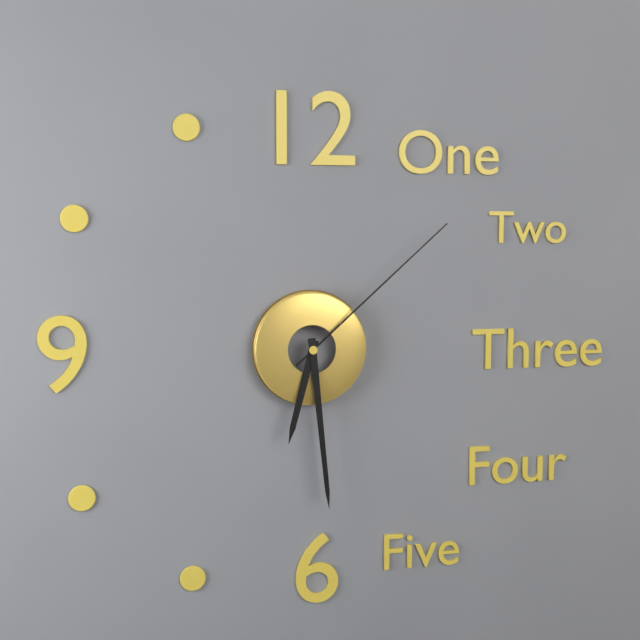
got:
6:29:08
